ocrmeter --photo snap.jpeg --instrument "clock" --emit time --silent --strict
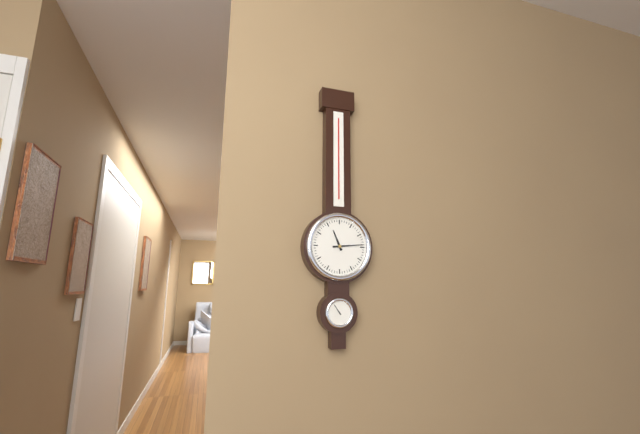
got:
11:14
